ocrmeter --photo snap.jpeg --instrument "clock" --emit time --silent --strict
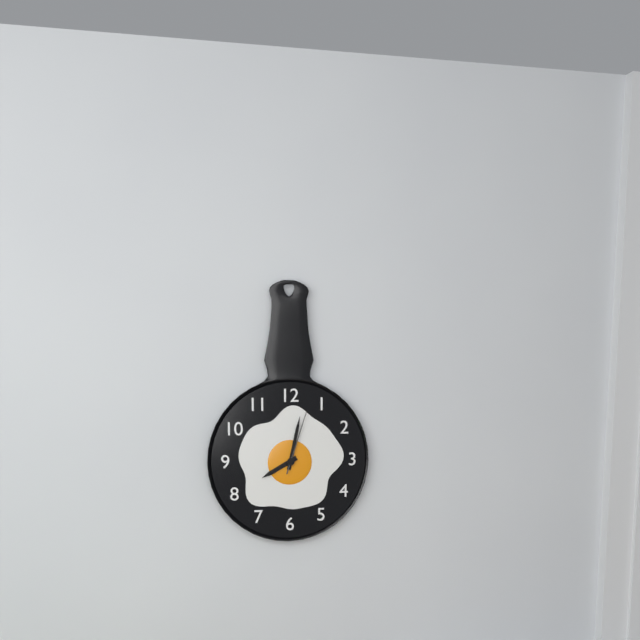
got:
8:02:03
